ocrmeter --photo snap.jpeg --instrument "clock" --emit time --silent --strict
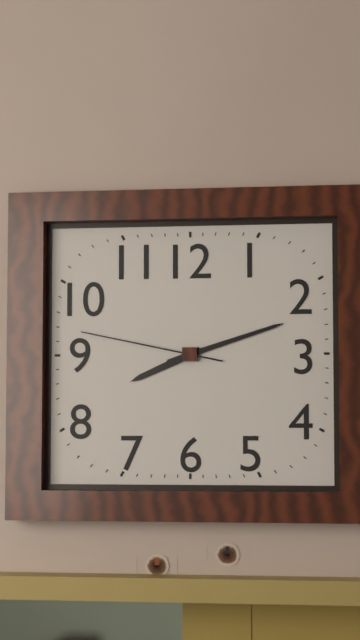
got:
8:12:47
